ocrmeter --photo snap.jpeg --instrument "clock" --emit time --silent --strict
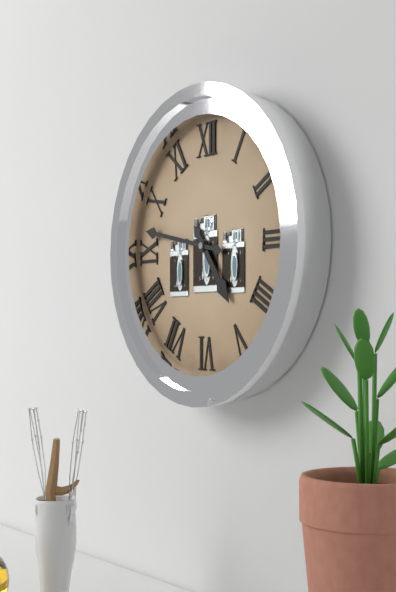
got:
4:47
